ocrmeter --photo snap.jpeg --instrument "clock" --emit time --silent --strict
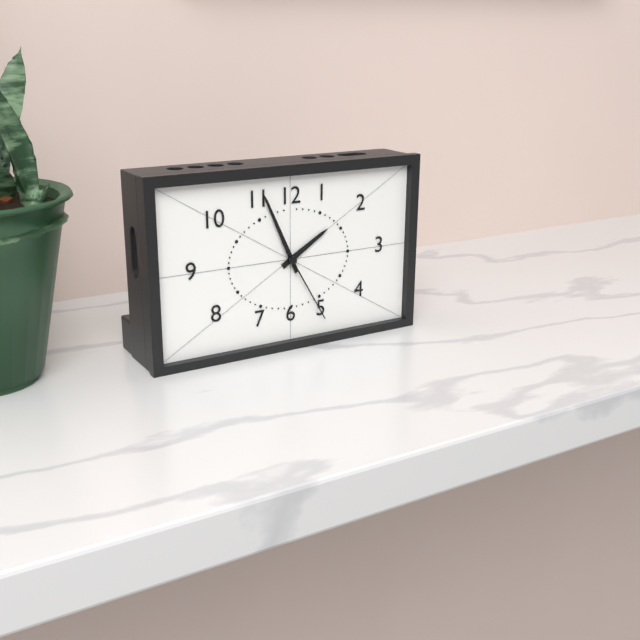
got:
1:56:25
